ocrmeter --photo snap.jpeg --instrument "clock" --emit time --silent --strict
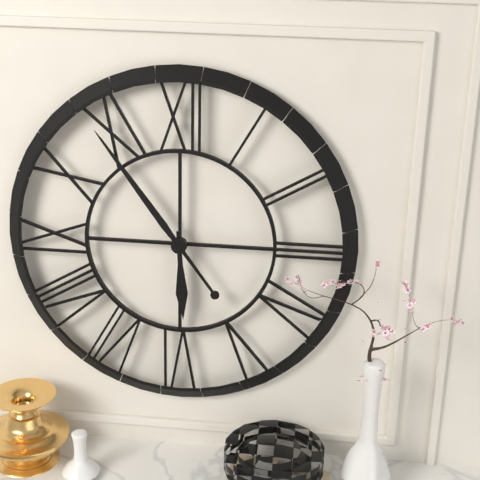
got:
5:54
